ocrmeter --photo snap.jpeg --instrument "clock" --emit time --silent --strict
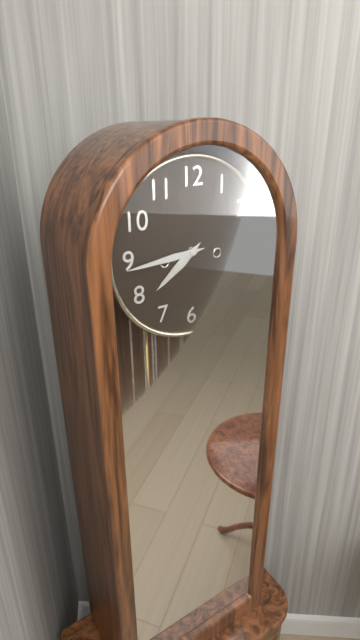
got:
7:44
